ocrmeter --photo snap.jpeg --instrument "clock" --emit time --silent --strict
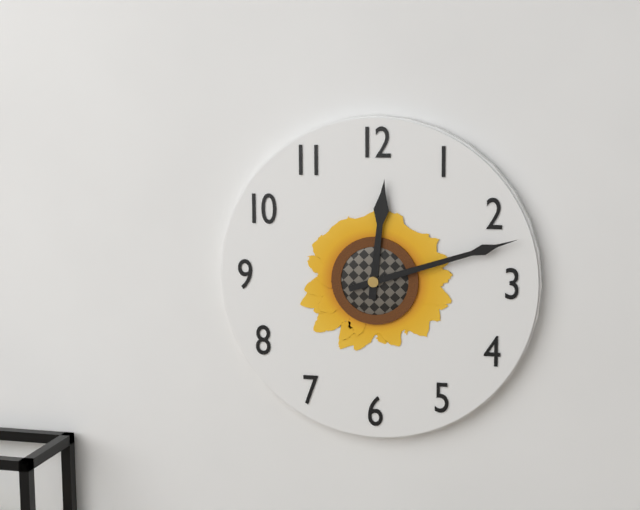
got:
12:12
